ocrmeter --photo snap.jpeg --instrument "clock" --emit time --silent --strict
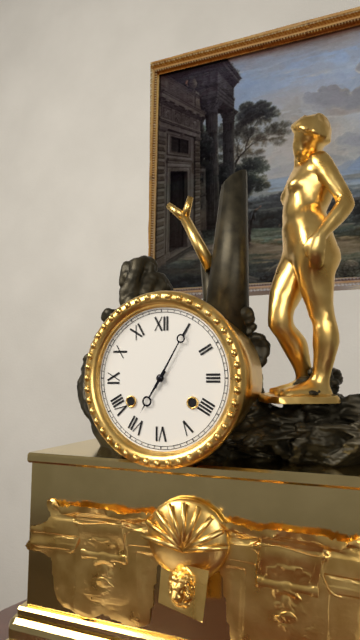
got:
7:05
